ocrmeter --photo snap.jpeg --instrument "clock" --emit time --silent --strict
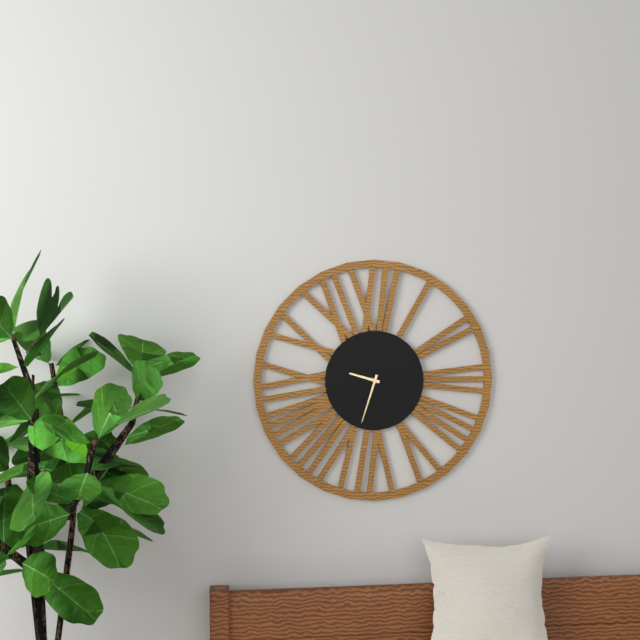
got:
9:33
